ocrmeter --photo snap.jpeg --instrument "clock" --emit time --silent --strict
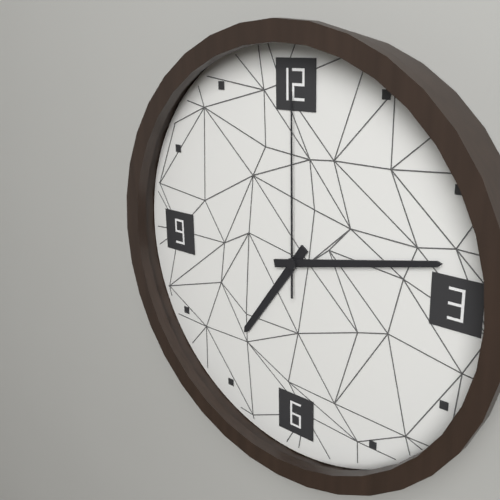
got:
7:13:00
